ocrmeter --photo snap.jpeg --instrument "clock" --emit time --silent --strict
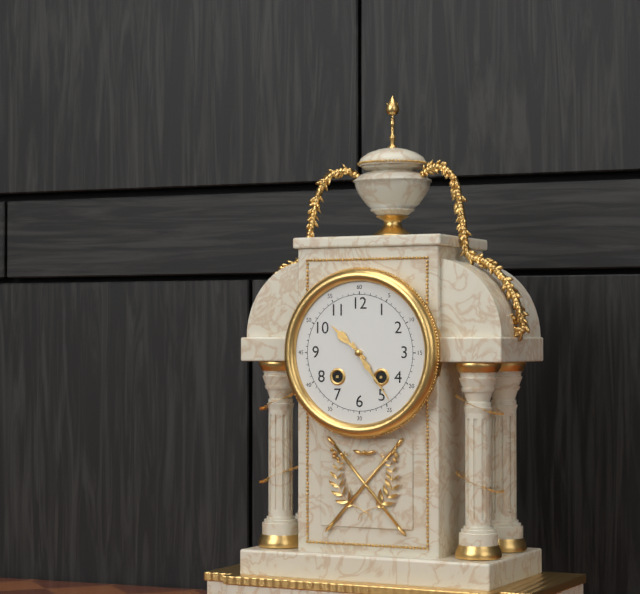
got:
10:24
